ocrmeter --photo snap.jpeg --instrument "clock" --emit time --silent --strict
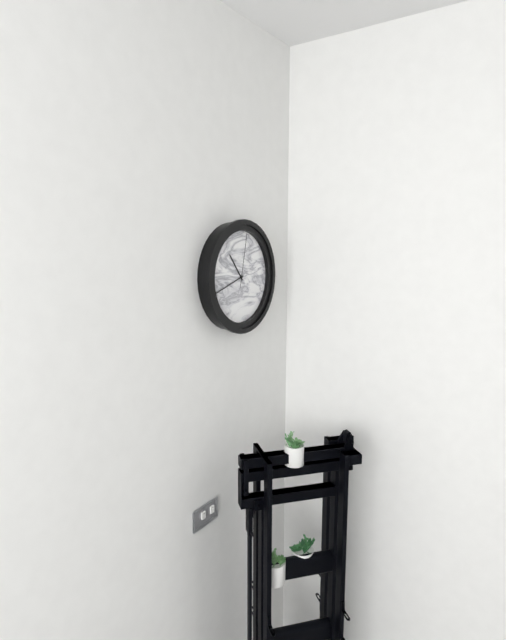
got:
10:42:02
